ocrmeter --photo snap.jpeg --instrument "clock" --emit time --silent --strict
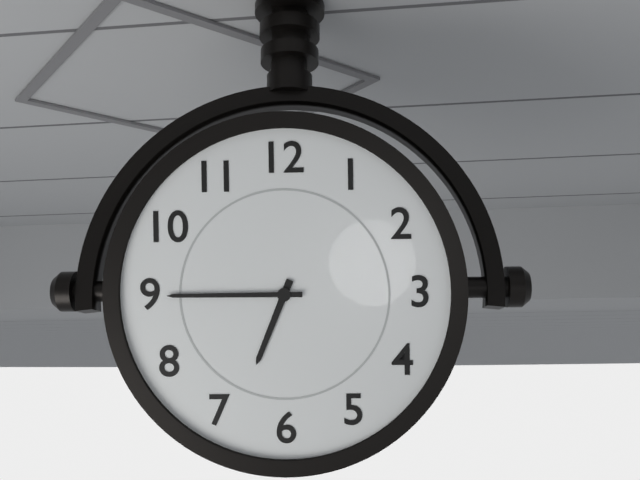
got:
6:45
